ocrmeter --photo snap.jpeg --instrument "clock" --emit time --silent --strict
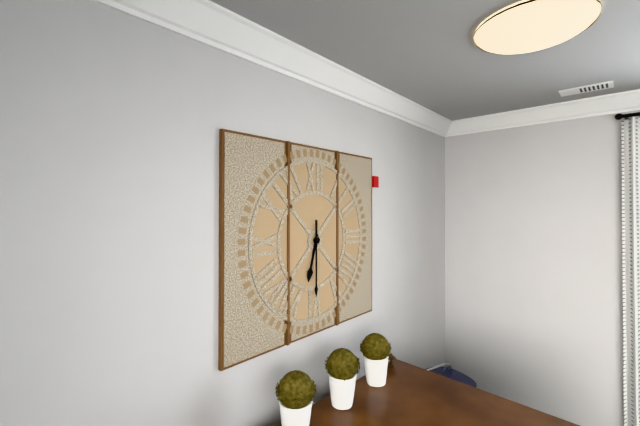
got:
6:30
